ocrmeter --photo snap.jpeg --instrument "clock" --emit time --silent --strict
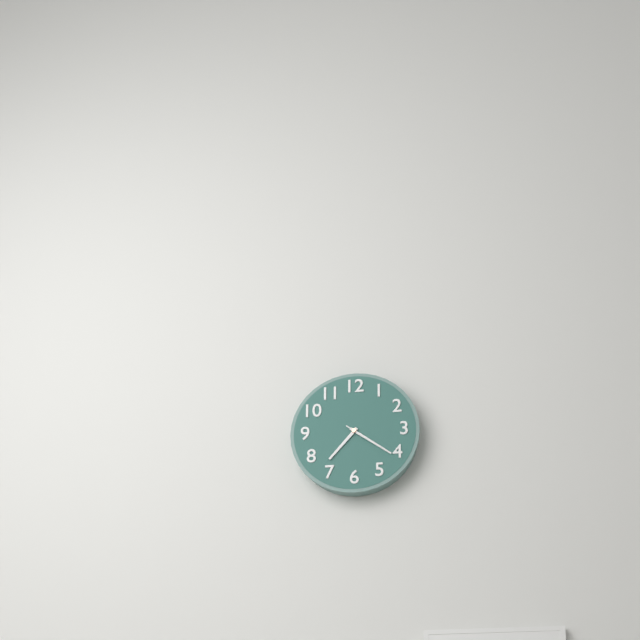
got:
7:21:21
